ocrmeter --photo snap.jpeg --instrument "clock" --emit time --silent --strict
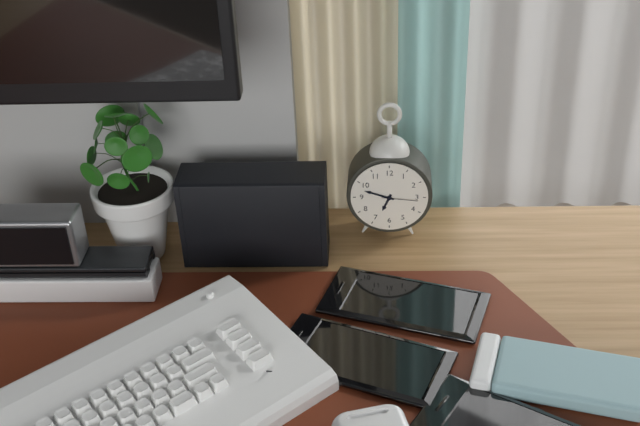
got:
6:48
